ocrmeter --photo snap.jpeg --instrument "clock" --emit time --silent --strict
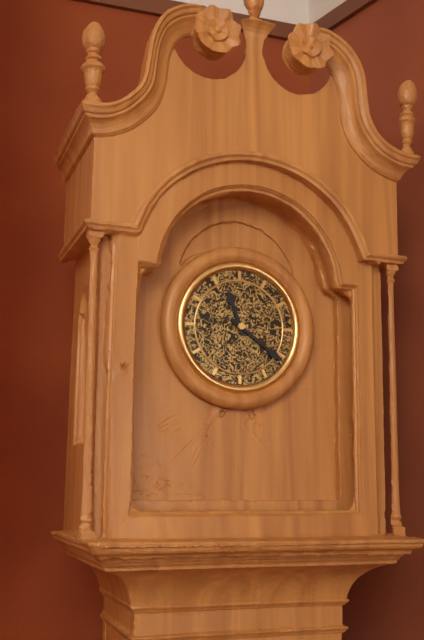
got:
11:21
